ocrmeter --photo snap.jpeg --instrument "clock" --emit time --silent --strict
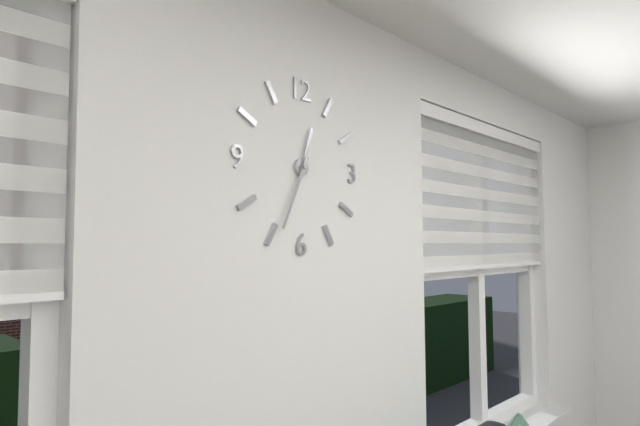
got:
12:34
